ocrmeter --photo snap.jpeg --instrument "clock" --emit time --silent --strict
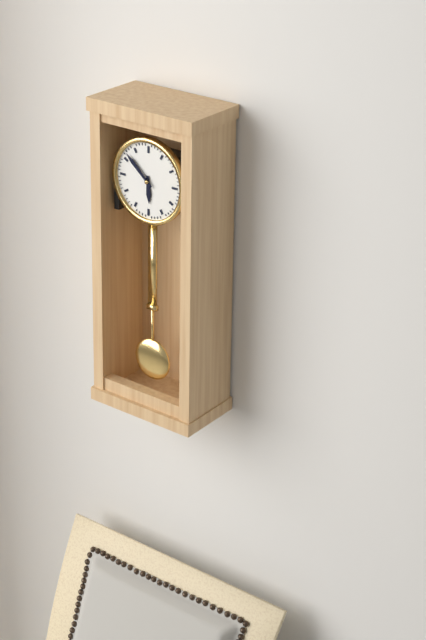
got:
5:52
